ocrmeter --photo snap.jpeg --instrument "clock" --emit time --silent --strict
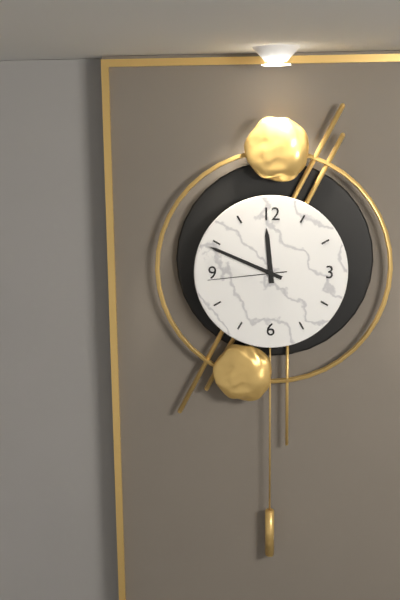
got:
11:49:44
